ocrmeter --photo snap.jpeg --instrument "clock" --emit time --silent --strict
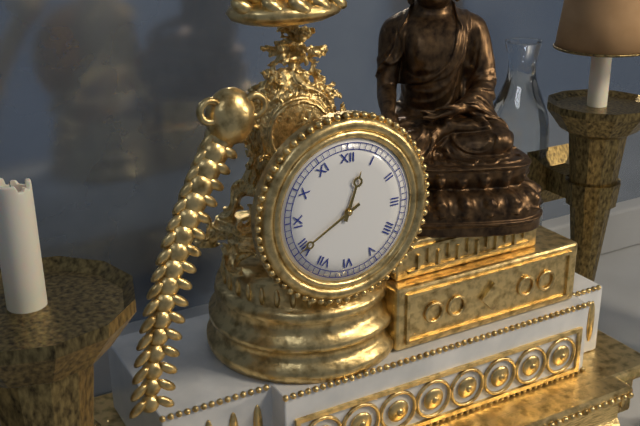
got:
12:40
